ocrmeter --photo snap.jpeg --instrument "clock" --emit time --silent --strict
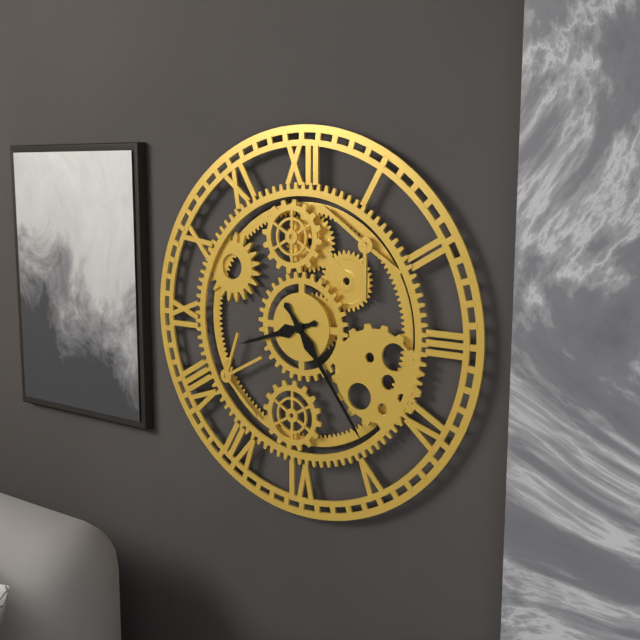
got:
8:24
